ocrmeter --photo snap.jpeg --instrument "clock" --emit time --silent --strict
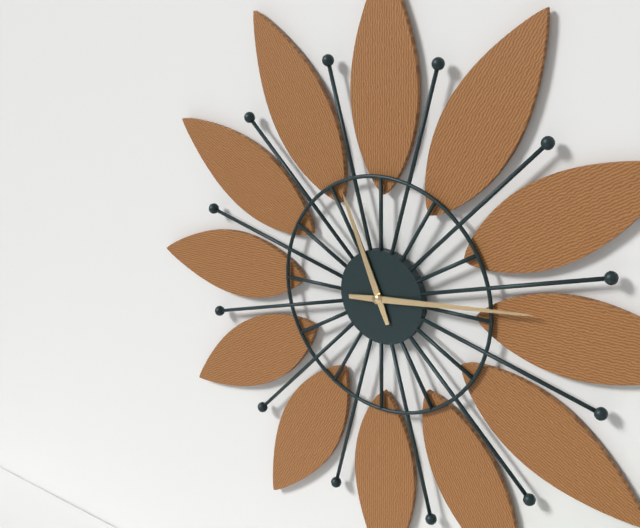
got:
11:14
